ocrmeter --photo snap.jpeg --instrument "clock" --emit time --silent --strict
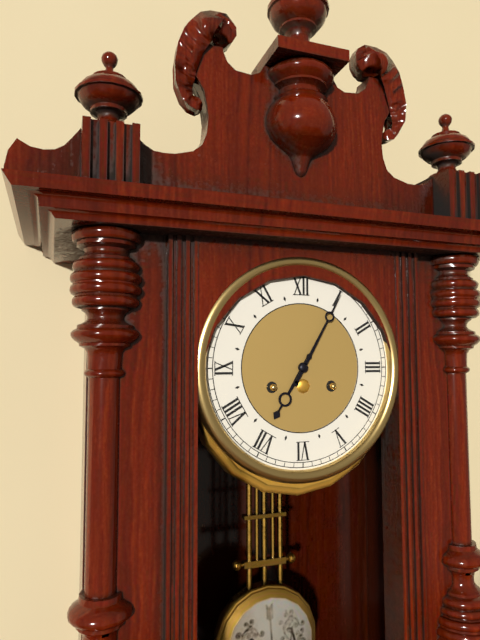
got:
7:05
